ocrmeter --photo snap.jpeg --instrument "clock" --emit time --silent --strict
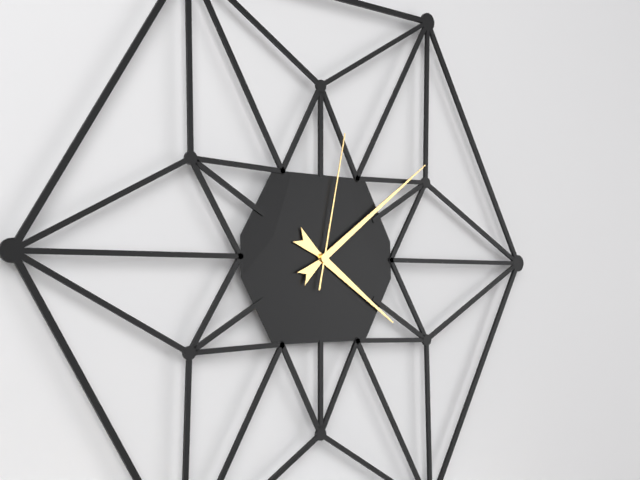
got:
4:09:02
